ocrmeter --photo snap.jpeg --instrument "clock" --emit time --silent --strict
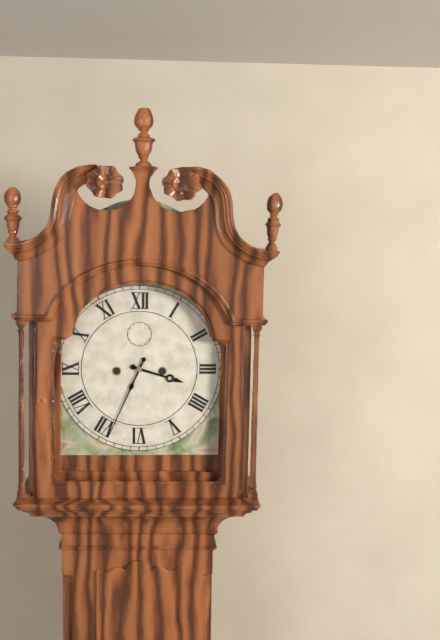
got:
3:34
